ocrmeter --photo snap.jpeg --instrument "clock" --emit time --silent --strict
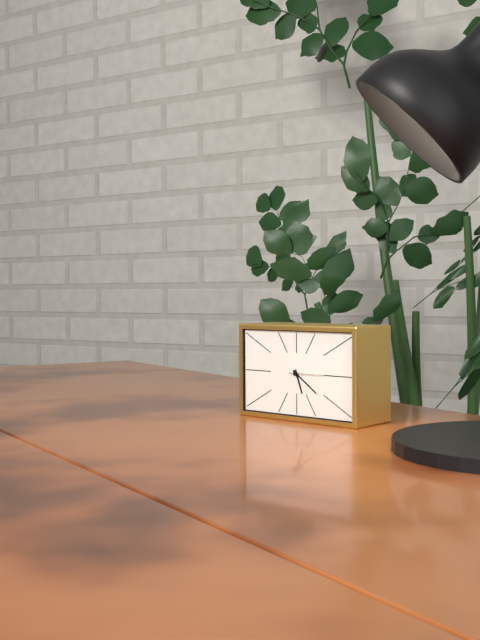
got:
5:21
